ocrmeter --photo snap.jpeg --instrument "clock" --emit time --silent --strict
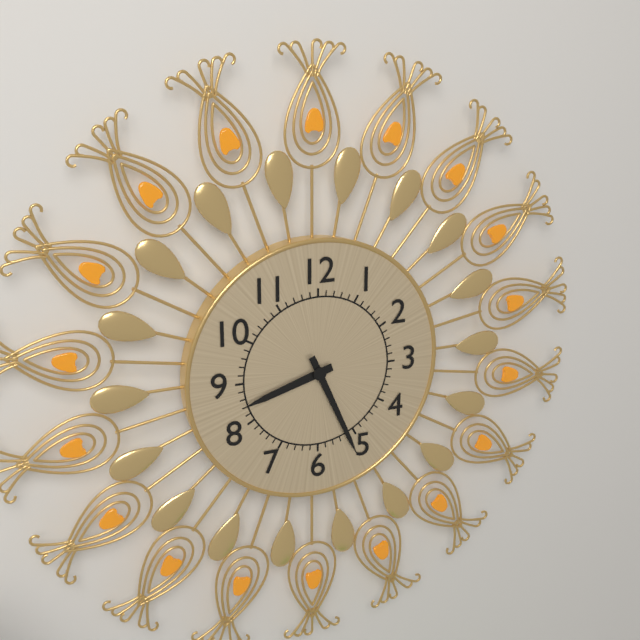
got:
8:26
